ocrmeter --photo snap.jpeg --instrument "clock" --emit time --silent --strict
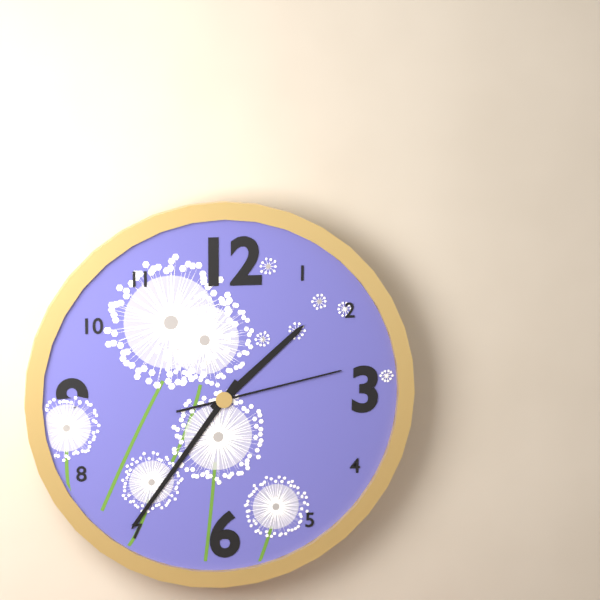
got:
1:36:13
